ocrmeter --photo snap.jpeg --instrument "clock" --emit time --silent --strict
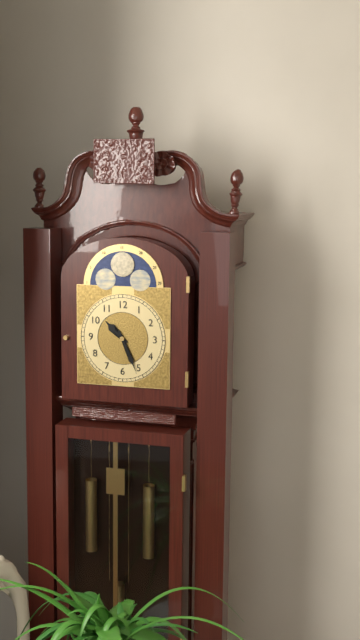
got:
10:26
